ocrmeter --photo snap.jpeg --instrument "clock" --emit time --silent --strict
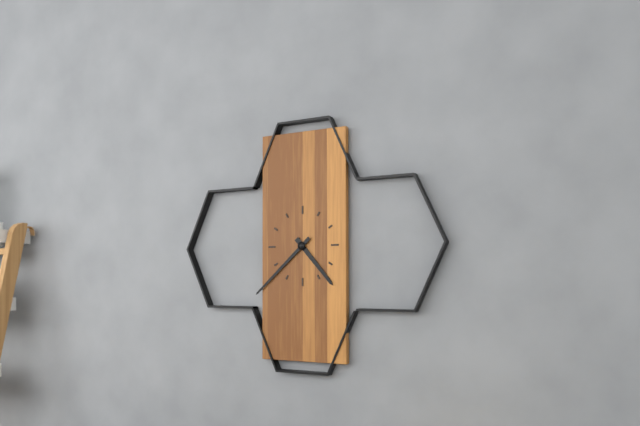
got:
4:38
